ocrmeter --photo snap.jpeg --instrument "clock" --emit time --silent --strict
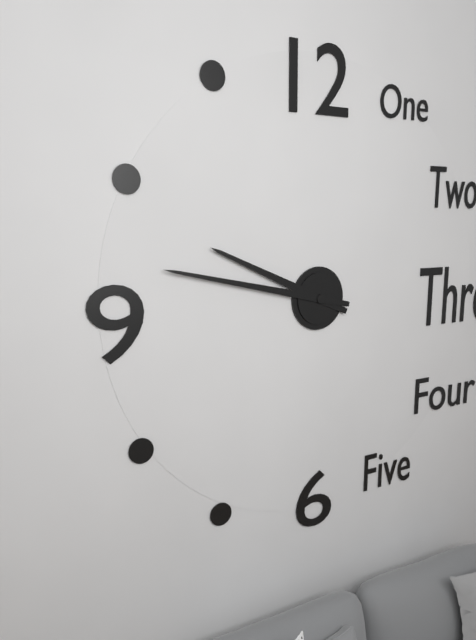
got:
9:47
